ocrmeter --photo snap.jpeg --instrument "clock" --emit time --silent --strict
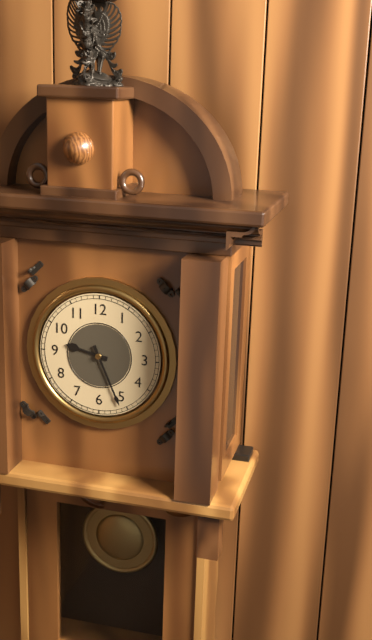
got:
9:26
